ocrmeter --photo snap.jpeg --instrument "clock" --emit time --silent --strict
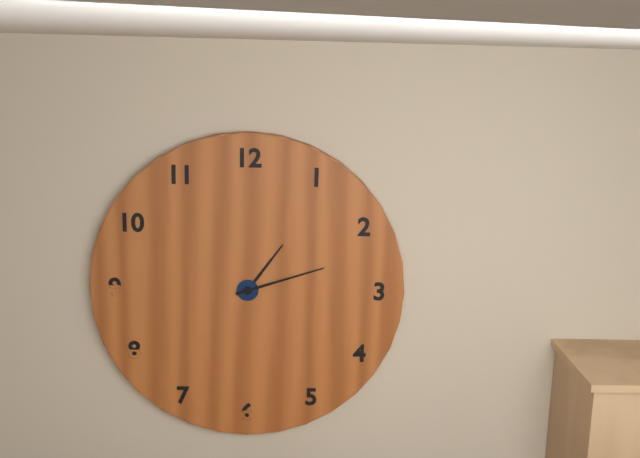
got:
1:12
